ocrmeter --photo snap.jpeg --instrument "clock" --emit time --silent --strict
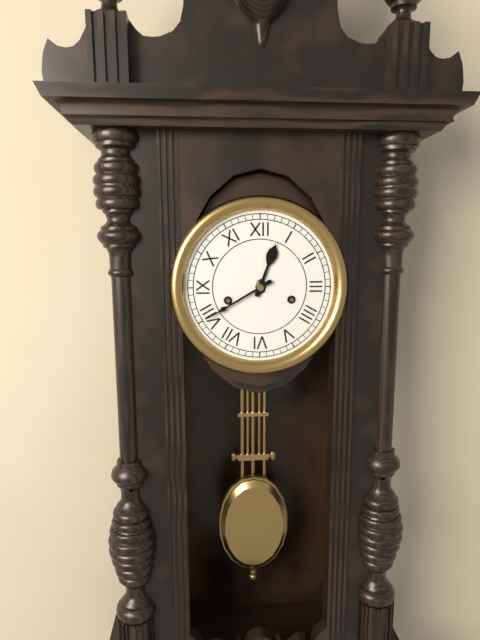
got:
12:40
